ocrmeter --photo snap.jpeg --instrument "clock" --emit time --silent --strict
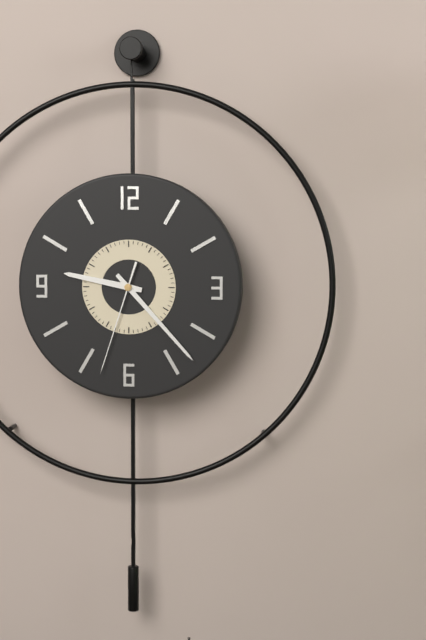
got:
9:23:33
